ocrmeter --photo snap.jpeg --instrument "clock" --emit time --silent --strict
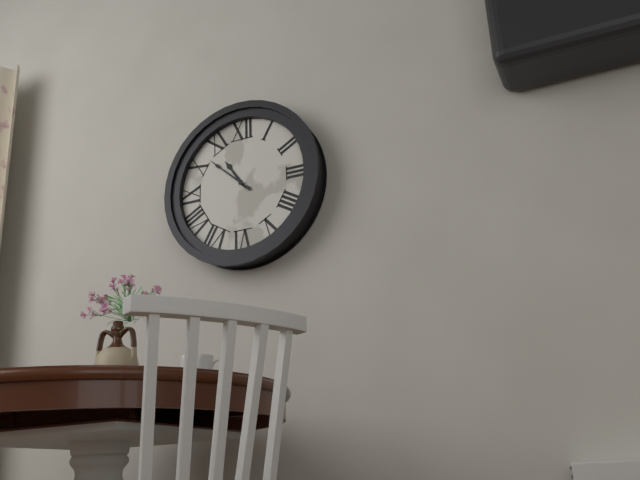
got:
10:52
